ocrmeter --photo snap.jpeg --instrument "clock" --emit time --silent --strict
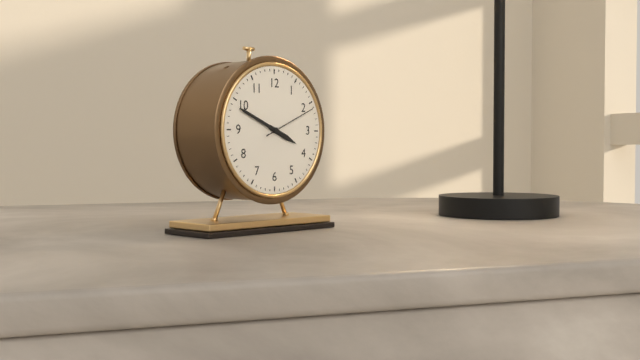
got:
3:49:11
